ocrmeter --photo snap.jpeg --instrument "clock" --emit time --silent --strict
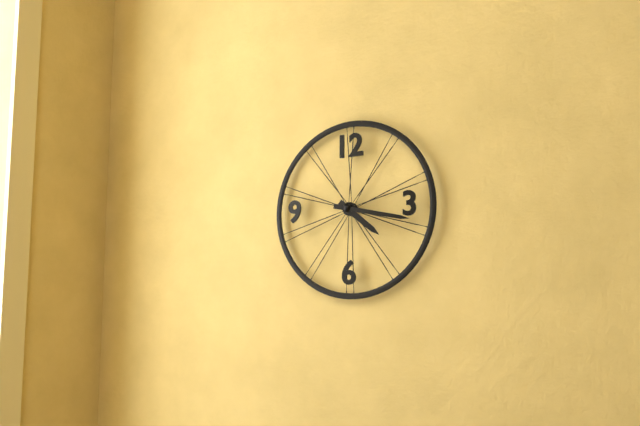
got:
4:17
